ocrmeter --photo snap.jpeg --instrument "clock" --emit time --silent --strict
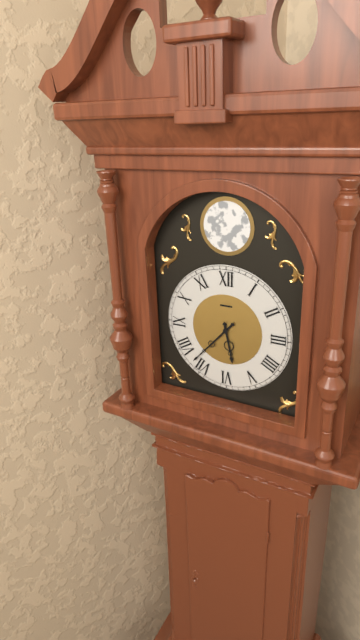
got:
5:37
